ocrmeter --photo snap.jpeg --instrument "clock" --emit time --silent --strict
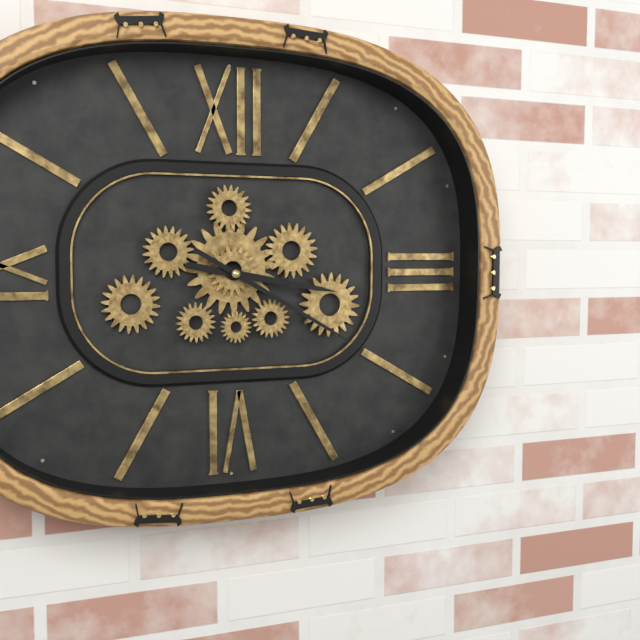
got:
3:20
